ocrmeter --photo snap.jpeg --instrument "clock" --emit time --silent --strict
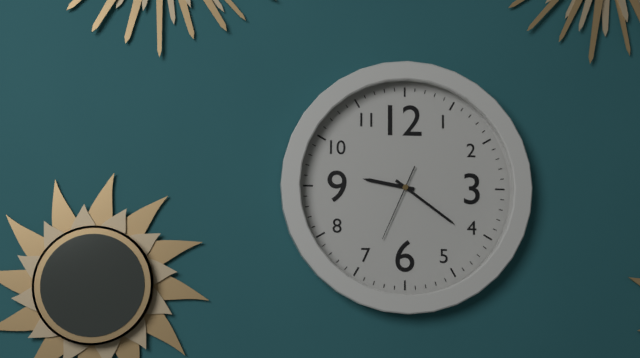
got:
9:21:34
